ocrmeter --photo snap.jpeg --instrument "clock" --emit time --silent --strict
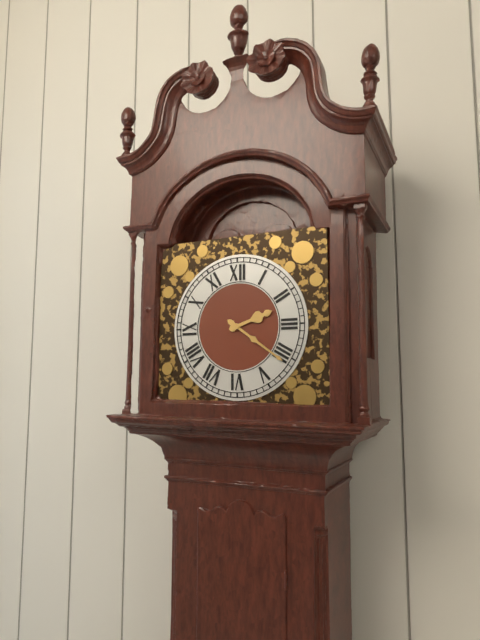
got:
2:21
